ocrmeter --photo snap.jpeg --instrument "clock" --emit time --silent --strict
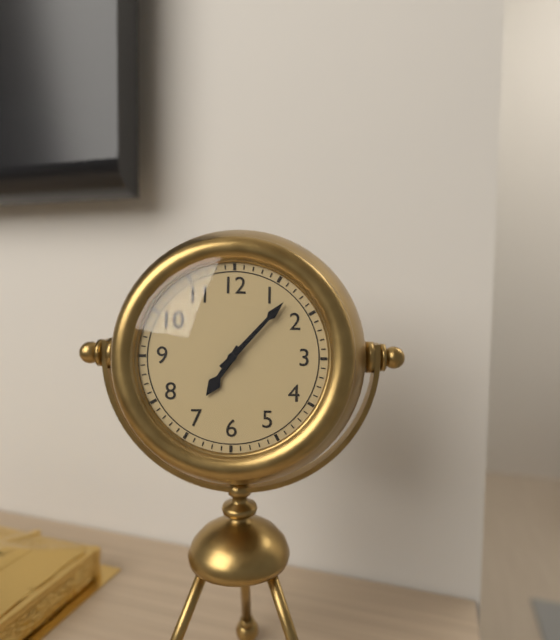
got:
7:07
